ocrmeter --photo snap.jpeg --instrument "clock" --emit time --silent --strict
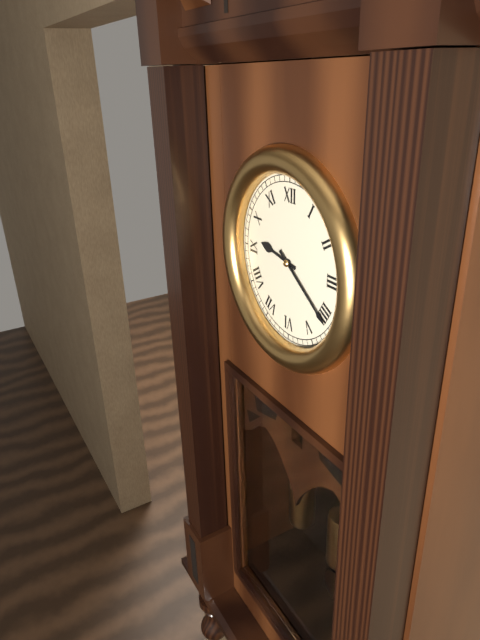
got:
9:21
